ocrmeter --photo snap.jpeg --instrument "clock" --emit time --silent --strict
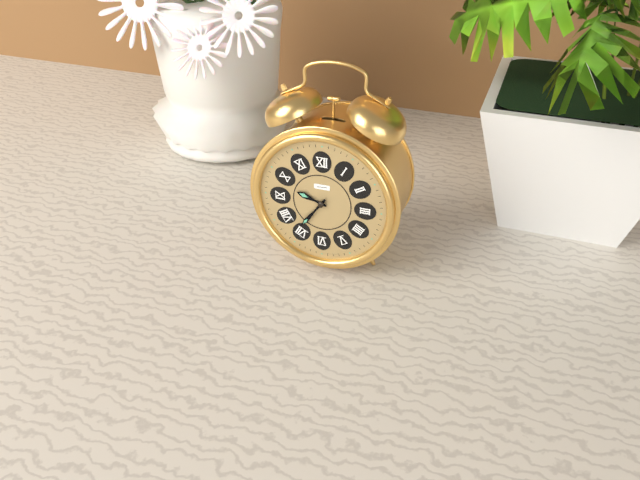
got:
9:36
